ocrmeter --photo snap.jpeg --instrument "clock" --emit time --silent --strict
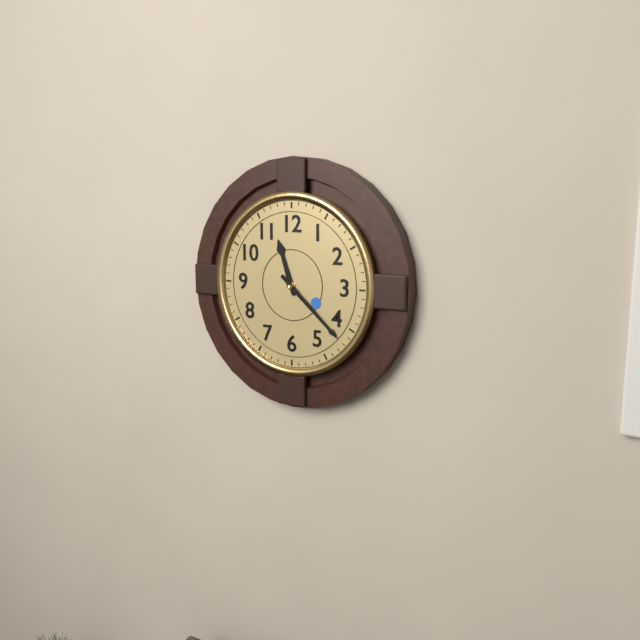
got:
11:22
